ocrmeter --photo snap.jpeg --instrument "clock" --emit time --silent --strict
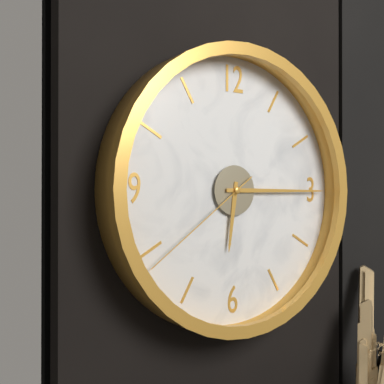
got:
6:15:39
